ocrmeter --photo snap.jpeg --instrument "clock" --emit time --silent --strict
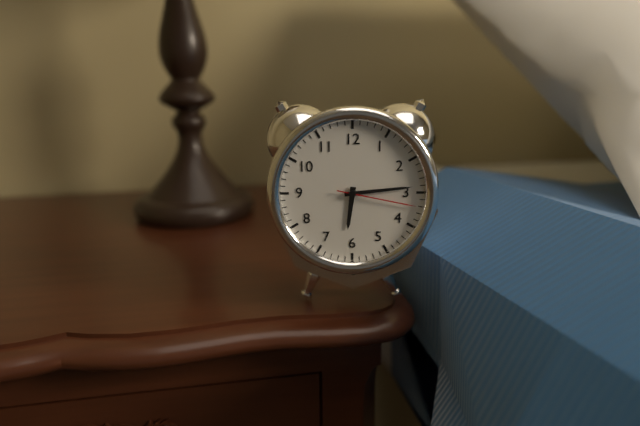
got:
6:14:17
